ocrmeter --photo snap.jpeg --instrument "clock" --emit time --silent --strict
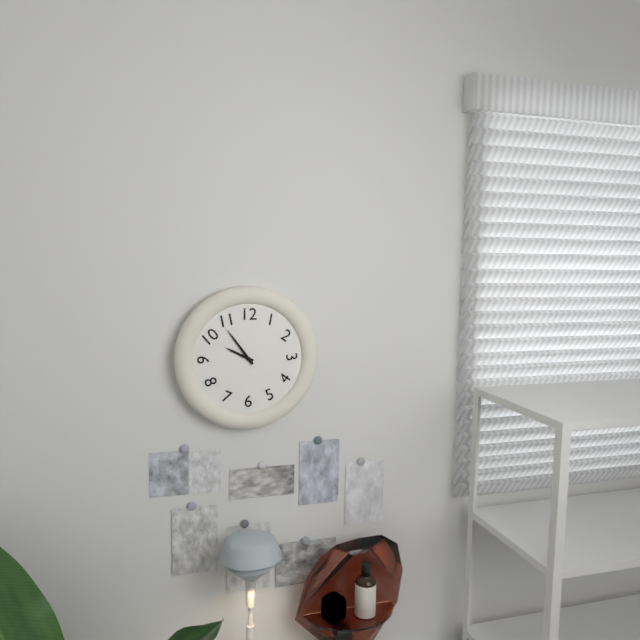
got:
9:54
